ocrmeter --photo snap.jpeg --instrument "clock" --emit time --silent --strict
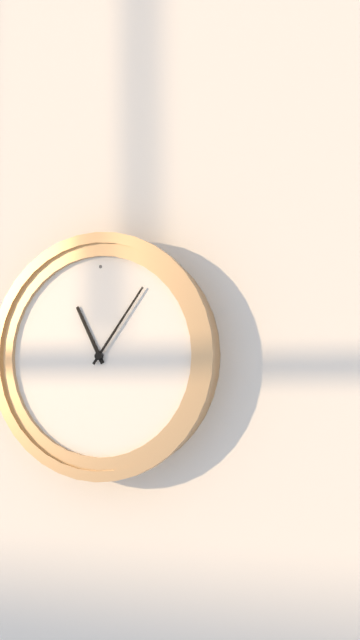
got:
11:06
